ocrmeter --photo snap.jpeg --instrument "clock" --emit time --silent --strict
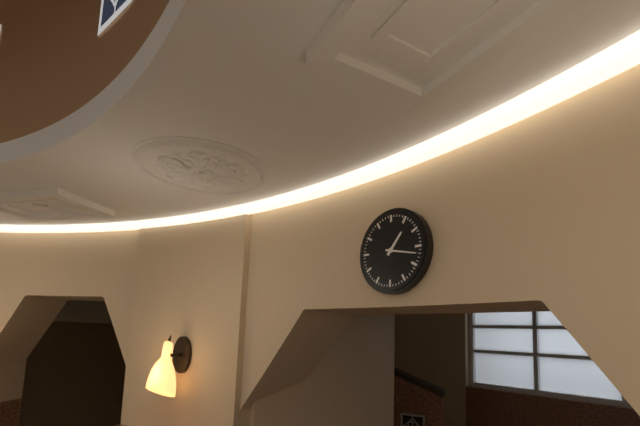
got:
1:17
